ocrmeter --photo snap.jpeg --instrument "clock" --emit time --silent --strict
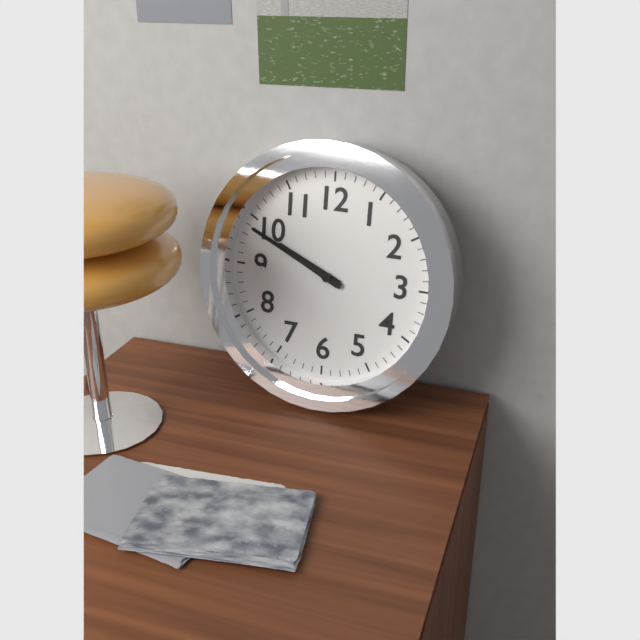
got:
9:49
